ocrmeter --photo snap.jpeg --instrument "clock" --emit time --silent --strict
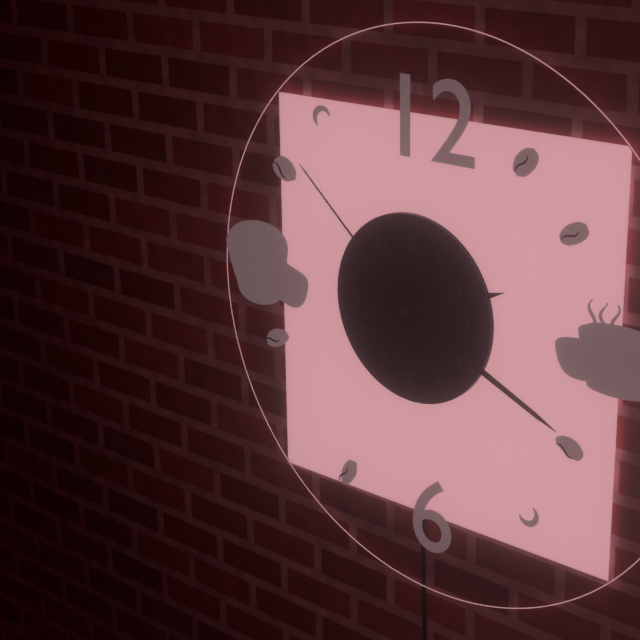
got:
2:19:52
